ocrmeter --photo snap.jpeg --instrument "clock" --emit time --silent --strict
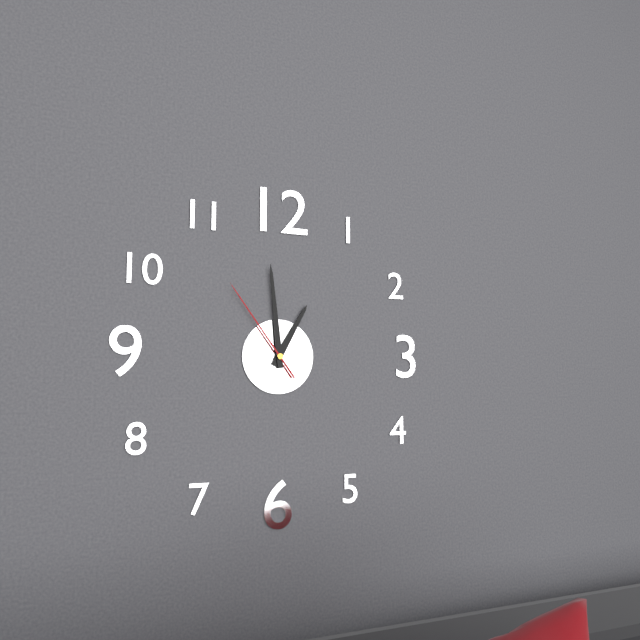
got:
12:59:54
